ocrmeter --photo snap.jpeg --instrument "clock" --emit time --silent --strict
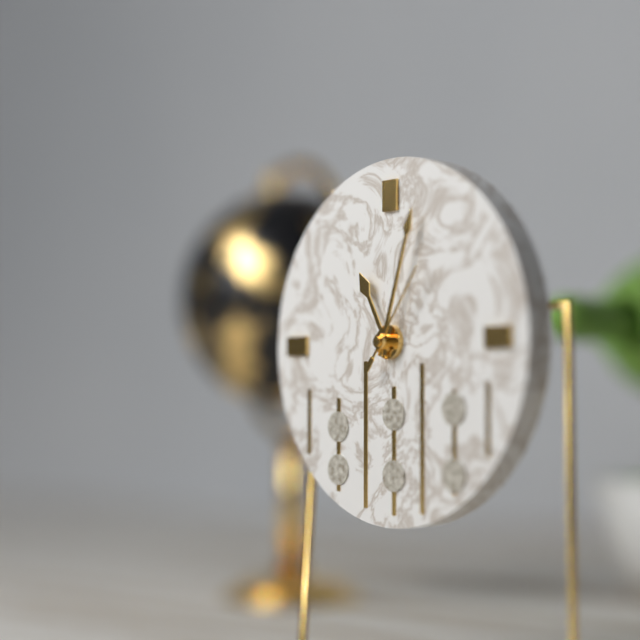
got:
11:03:06
